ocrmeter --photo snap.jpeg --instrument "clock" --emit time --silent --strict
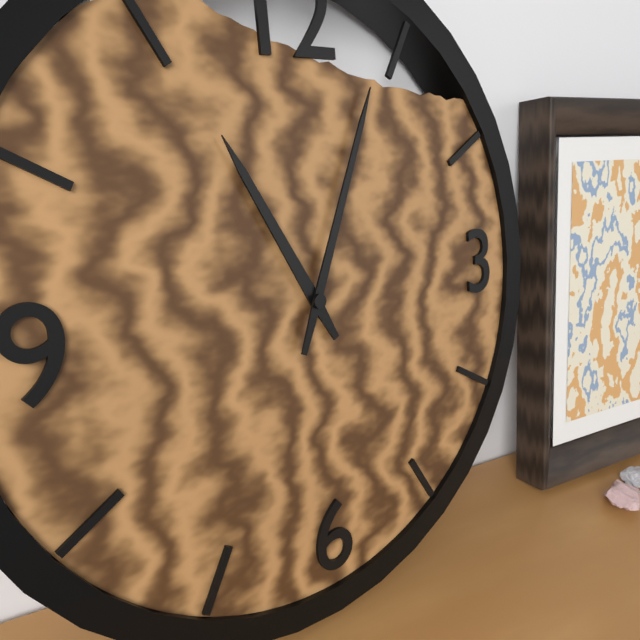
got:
11:04
